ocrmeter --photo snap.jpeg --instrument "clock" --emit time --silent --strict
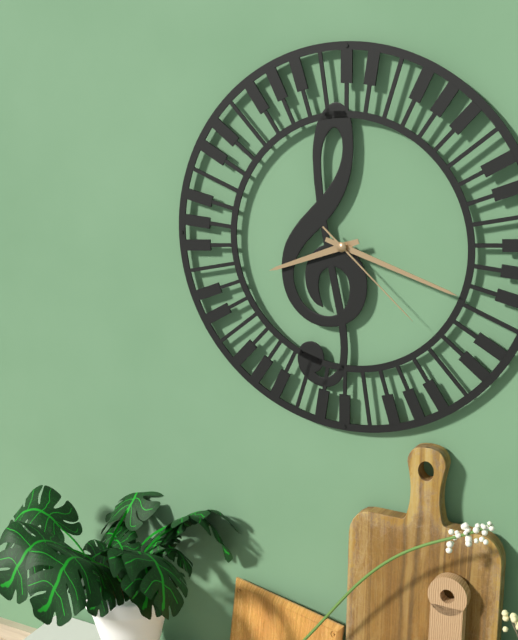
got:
8:18:22
